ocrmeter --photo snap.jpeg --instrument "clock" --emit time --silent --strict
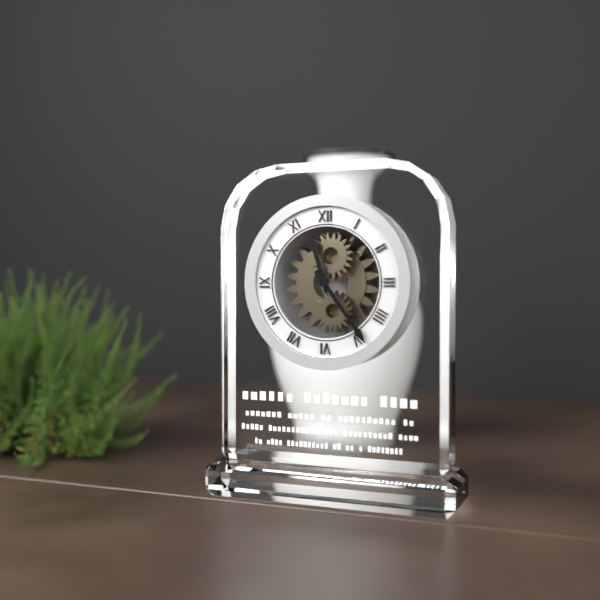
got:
11:24
